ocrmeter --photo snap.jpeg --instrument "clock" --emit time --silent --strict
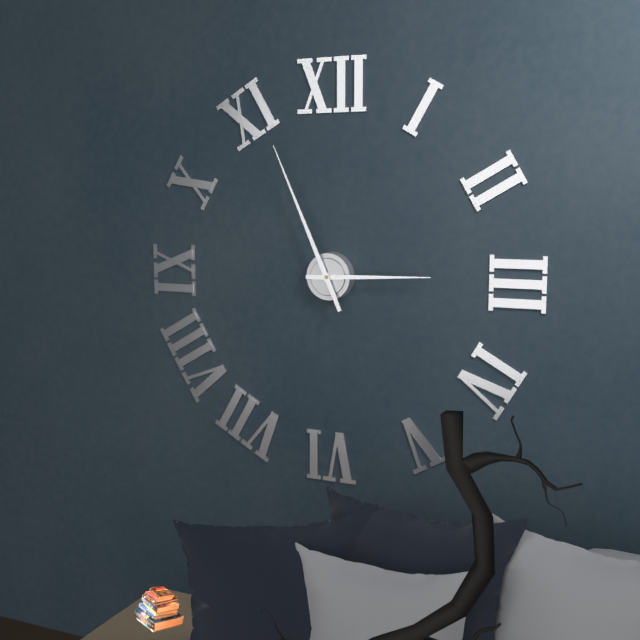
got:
2:56
